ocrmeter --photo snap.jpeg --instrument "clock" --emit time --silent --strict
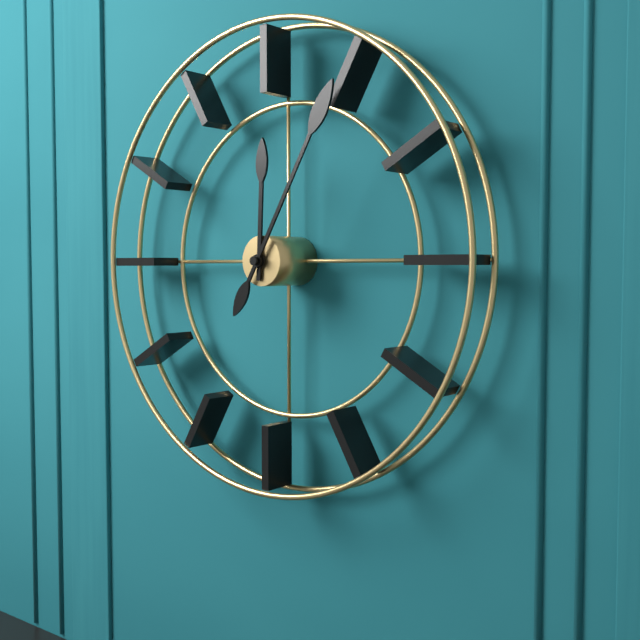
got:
12:05
